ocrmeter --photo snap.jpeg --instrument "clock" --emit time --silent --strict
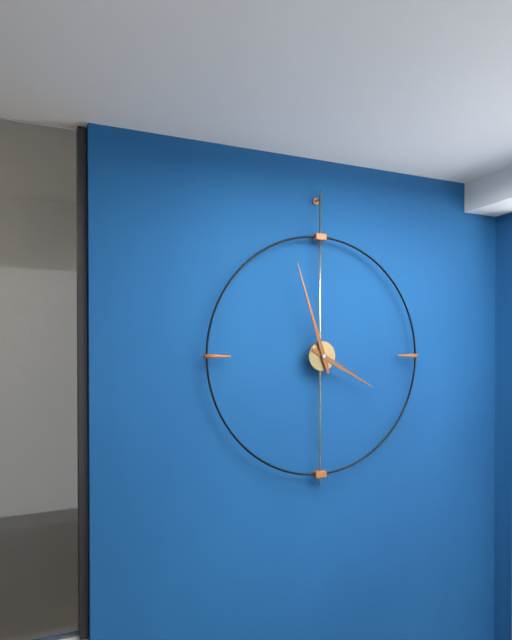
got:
3:57
